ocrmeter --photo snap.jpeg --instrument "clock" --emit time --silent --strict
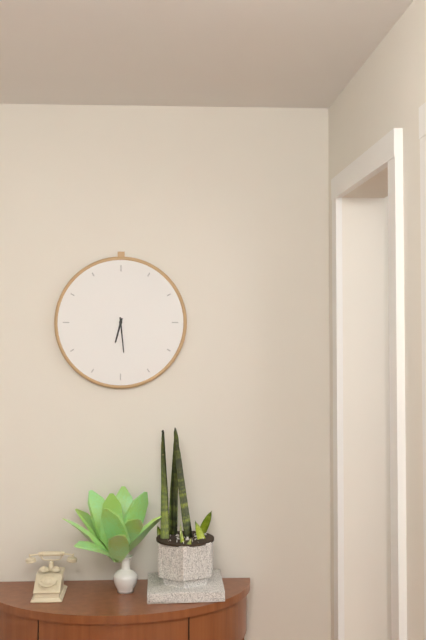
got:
6:29
